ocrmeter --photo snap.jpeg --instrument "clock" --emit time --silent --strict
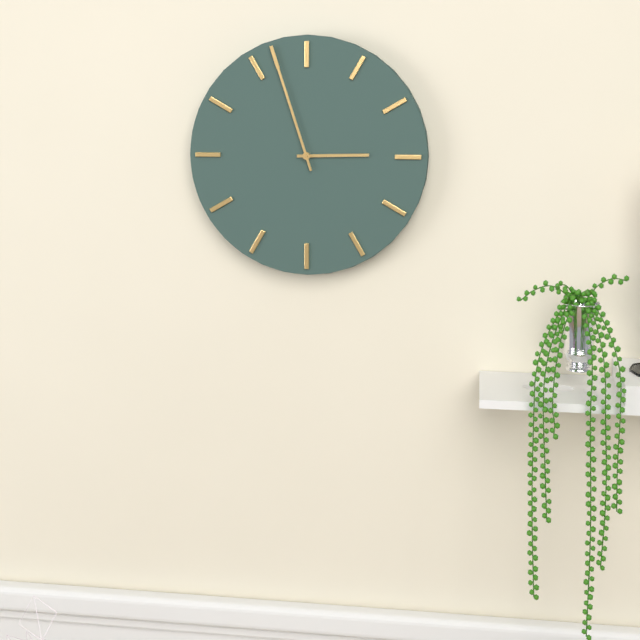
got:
2:57
